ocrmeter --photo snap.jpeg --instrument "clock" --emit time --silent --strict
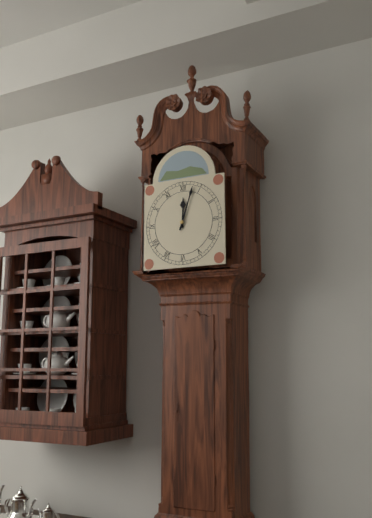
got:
12:03
